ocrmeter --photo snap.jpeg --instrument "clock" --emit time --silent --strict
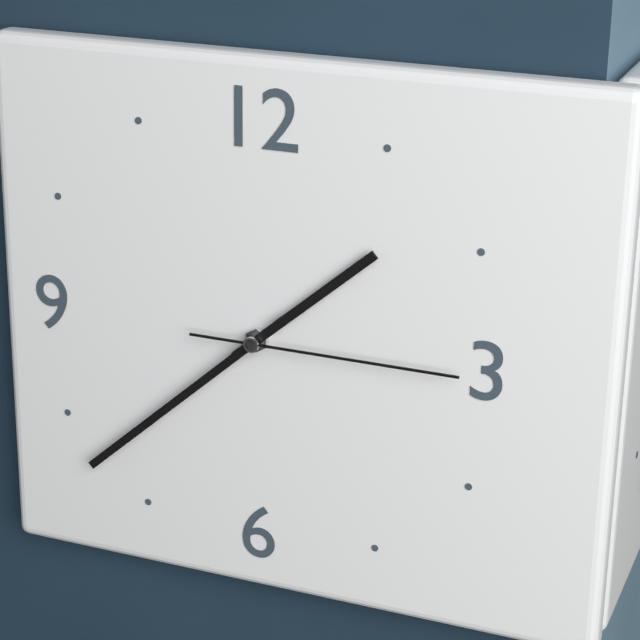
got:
1:38:15
